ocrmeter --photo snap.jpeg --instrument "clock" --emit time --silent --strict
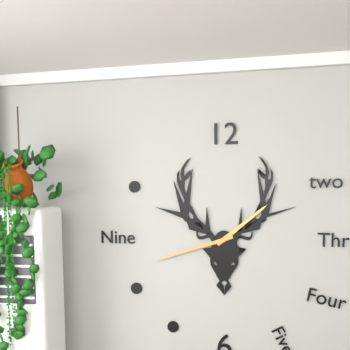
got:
1:42
